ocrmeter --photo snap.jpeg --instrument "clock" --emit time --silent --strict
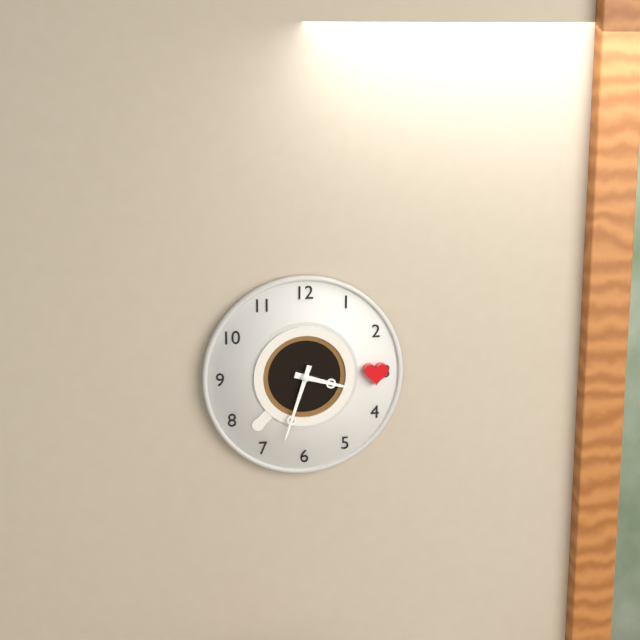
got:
3:33
